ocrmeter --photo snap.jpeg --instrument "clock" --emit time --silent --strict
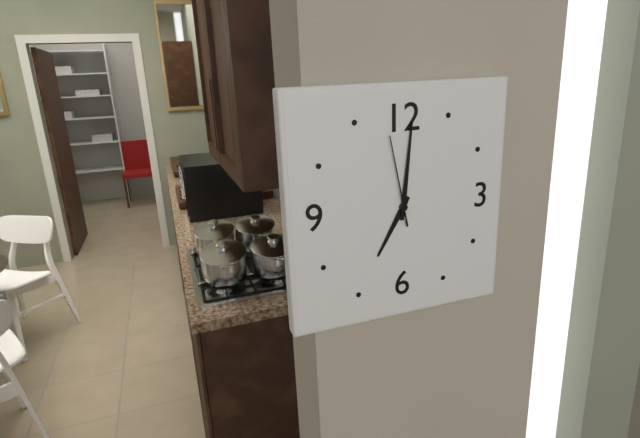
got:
7:01:58
